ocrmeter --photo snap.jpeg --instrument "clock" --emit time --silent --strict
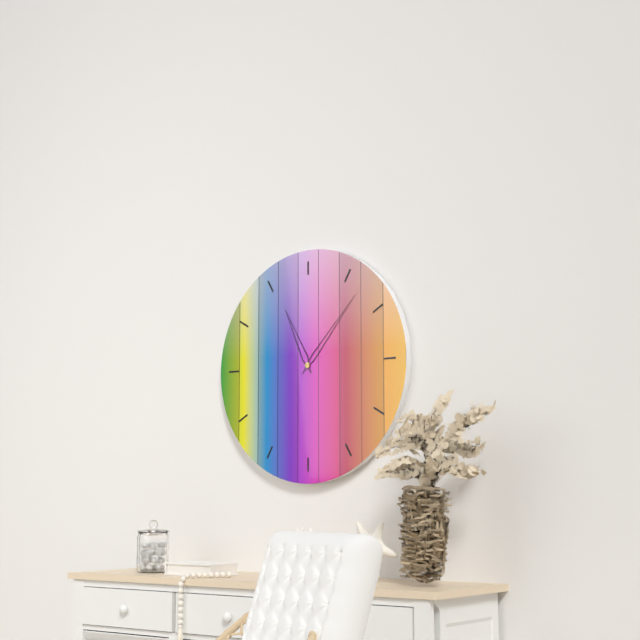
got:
11:07
